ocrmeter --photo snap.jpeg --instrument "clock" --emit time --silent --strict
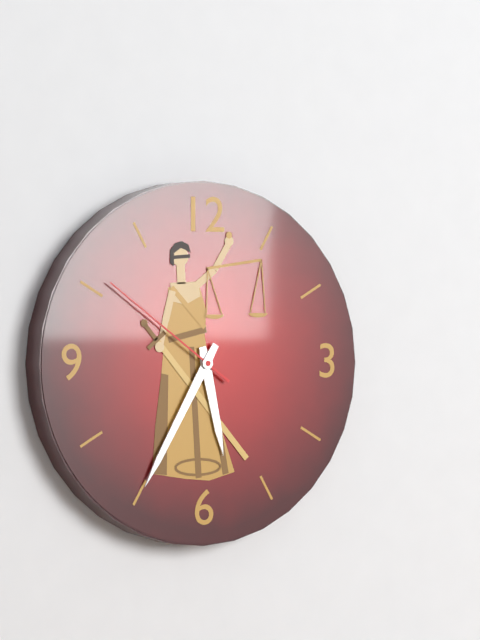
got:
5:35:51
